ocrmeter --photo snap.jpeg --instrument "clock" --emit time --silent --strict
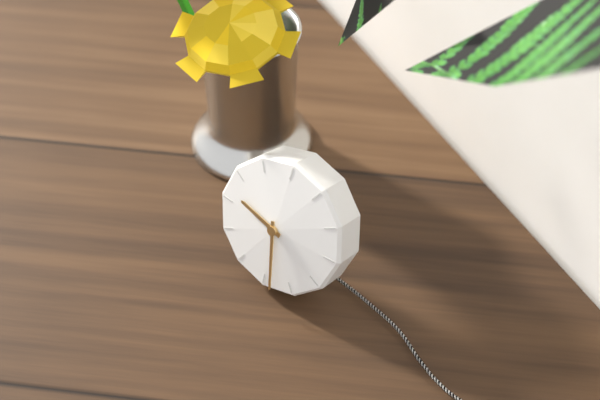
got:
9:28
